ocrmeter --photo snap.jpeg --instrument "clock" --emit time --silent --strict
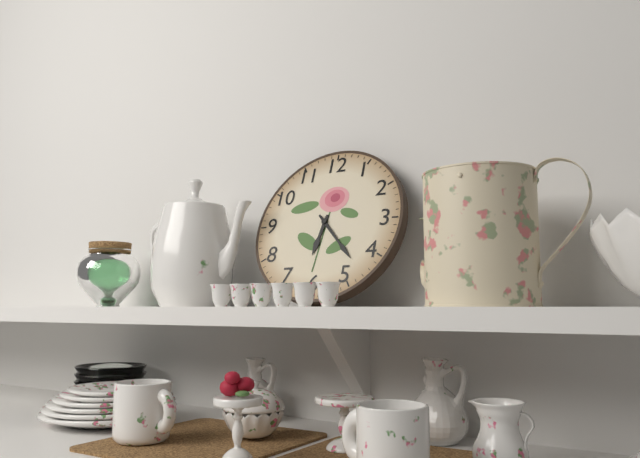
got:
6:23
